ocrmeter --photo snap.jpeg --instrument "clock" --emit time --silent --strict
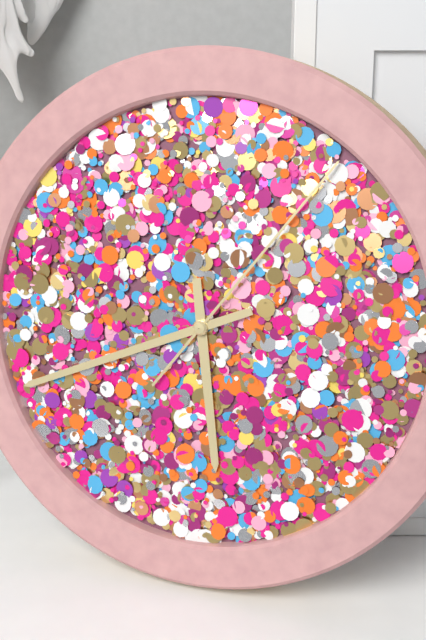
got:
5:41:06
